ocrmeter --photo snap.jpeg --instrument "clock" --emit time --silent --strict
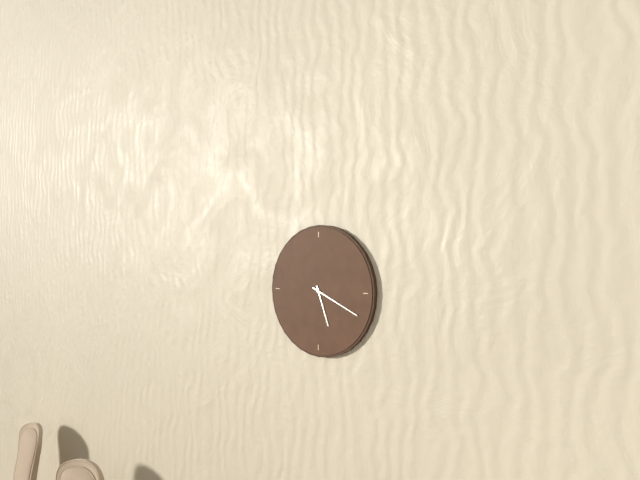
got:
5:19
